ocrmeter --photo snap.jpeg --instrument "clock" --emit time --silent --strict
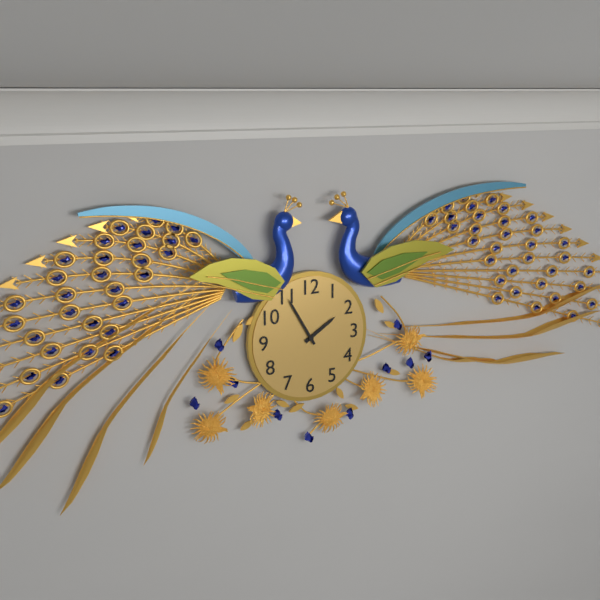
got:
1:55
